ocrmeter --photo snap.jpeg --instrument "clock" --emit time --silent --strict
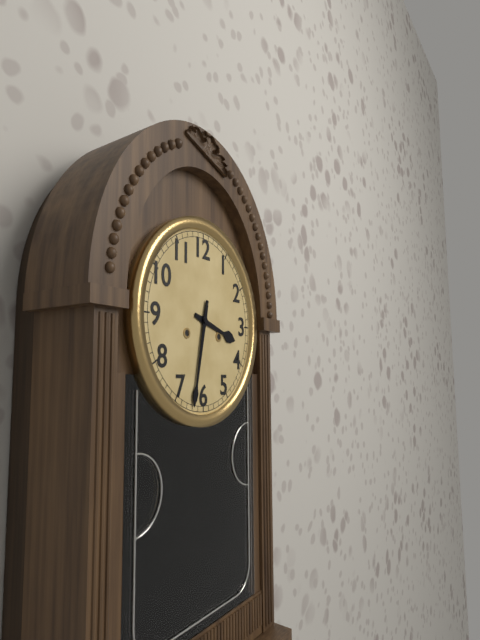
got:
3:32
